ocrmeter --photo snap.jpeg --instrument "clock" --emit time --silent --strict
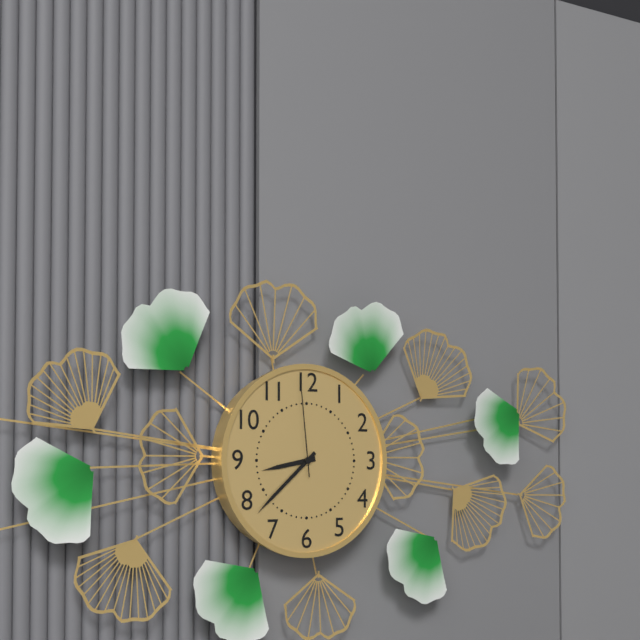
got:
8:38:59
